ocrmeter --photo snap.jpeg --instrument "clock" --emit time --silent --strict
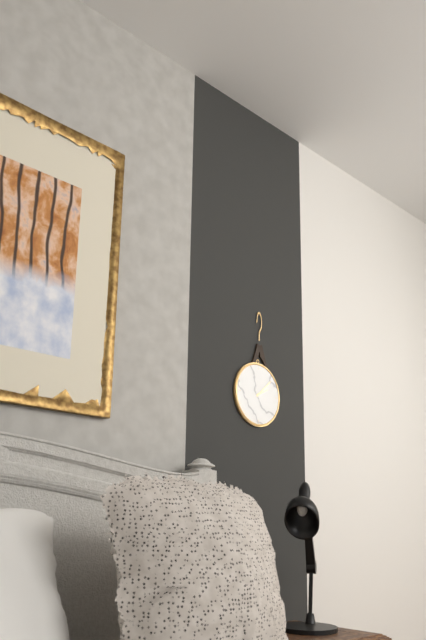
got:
2:08
